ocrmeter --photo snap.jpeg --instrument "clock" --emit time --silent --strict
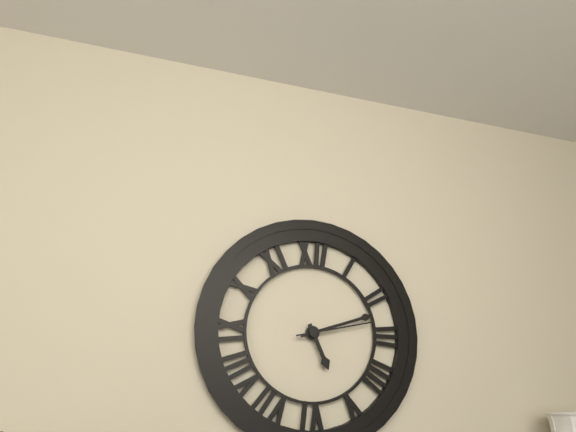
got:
5:12:13
